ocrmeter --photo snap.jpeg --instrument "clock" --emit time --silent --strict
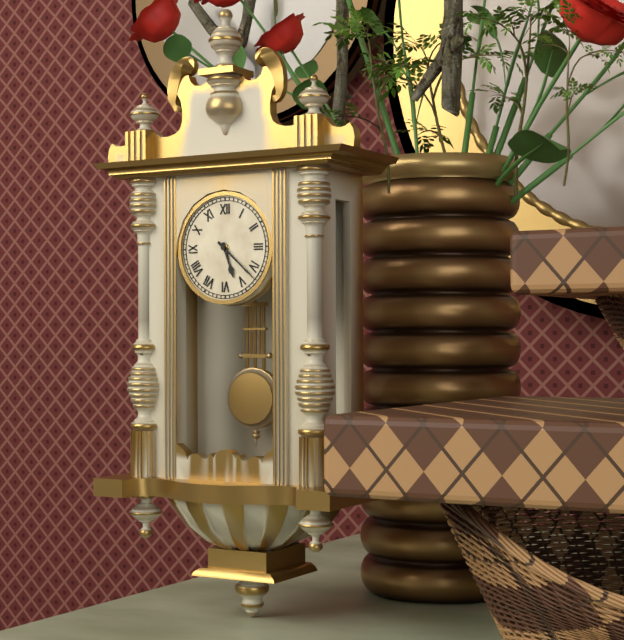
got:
5:22
